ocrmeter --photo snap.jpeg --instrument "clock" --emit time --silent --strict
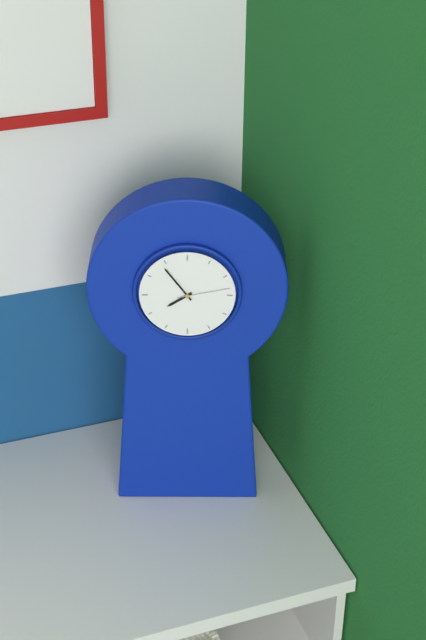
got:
7:54:13
